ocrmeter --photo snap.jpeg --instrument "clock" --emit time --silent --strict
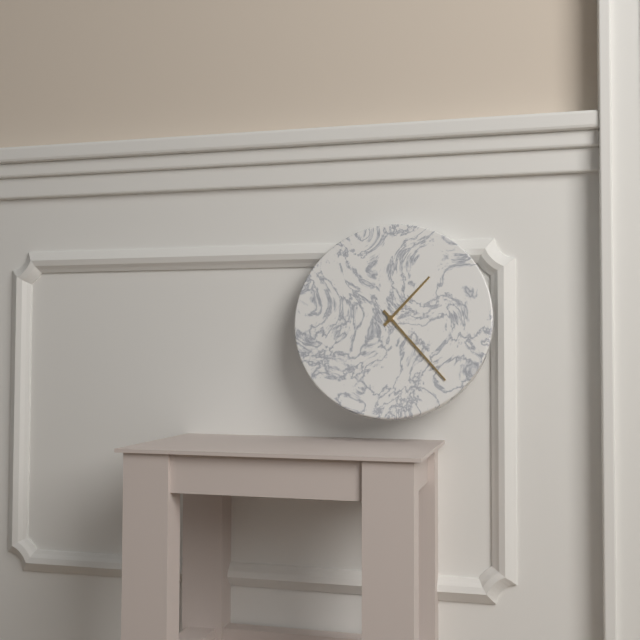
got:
1:23
